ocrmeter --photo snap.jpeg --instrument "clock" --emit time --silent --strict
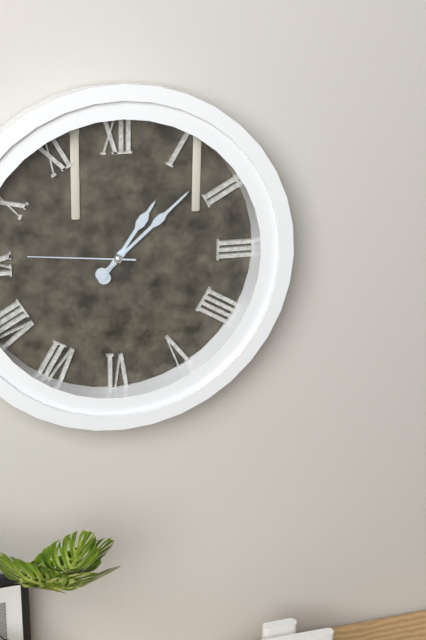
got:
1:08:46
